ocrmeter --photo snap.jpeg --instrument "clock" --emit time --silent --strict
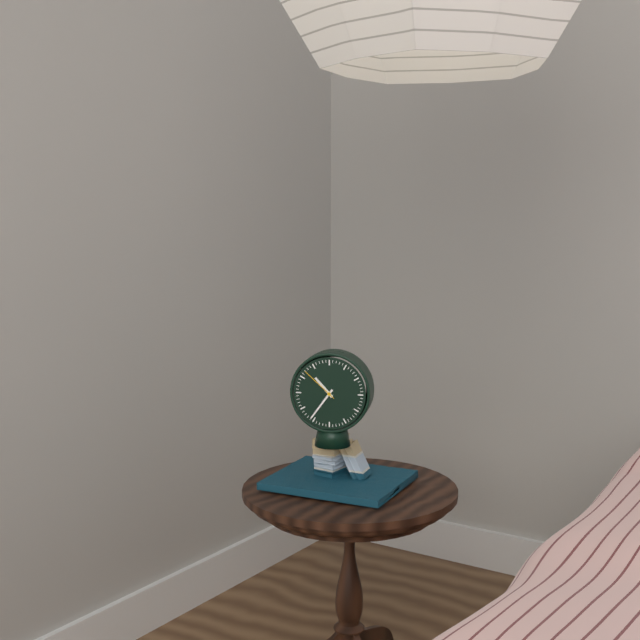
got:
10:36
